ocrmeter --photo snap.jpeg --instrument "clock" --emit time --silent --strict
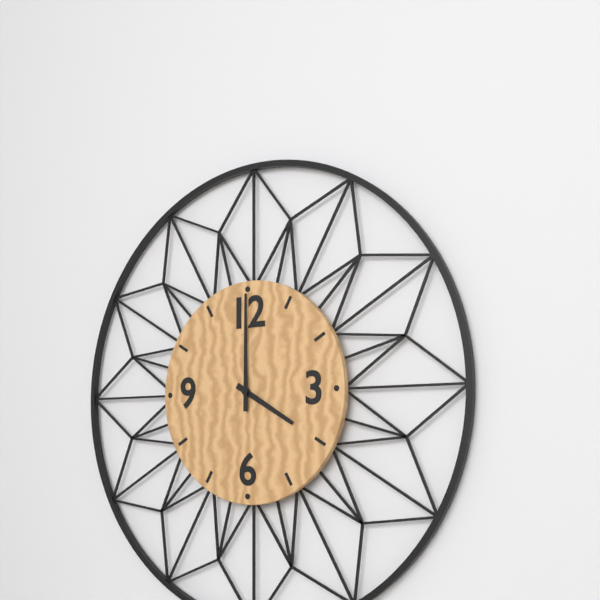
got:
4:00
